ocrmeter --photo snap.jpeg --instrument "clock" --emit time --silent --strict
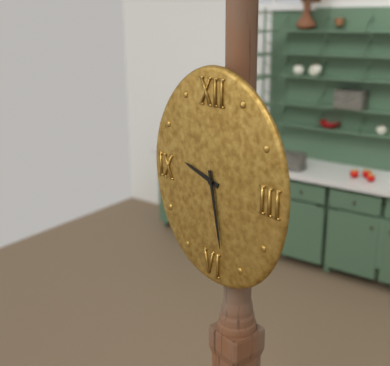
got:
9:28
